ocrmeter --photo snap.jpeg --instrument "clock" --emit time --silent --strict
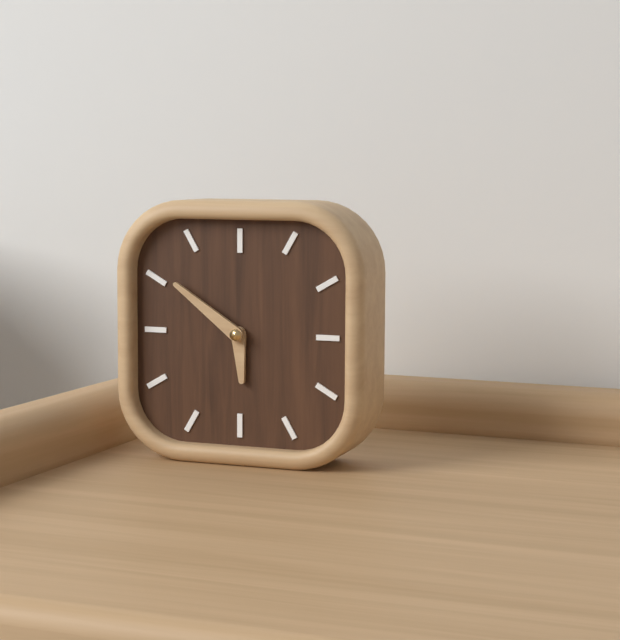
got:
5:51
